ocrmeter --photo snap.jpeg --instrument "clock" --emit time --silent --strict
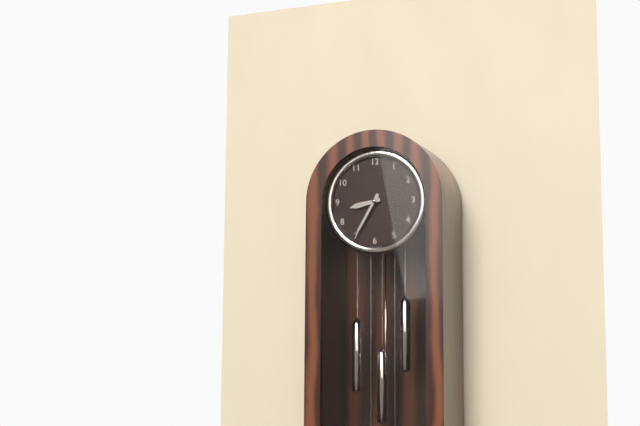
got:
8:35
